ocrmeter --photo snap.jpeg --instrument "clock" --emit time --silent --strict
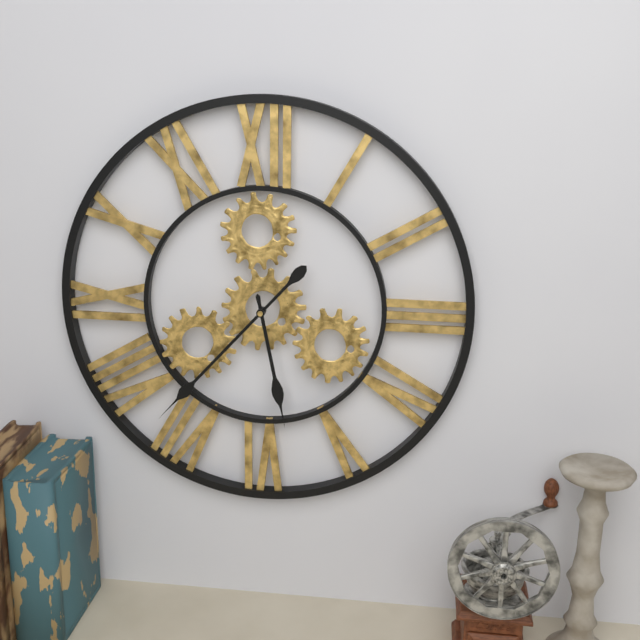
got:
5:37
